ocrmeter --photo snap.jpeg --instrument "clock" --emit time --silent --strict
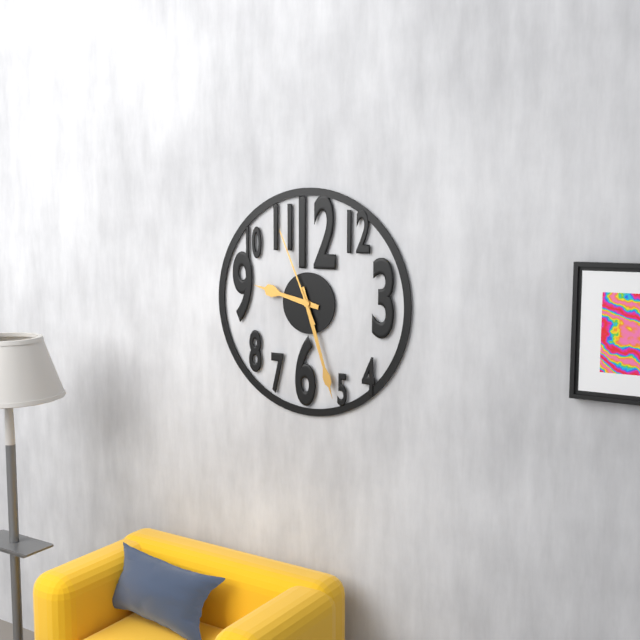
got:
9:27:56
